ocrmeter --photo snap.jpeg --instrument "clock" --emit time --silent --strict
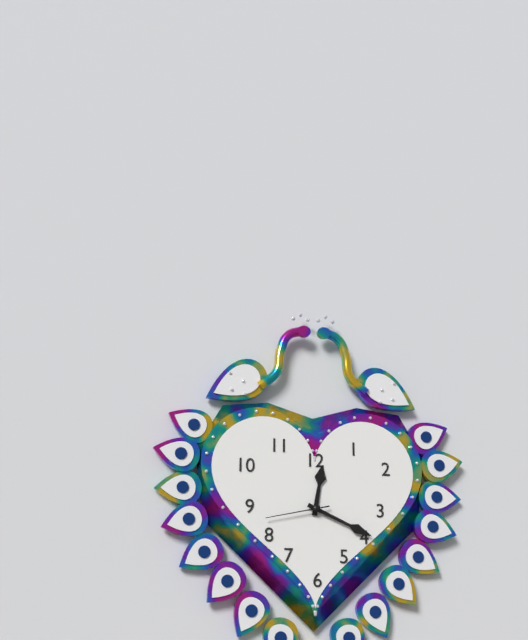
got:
12:19:43
